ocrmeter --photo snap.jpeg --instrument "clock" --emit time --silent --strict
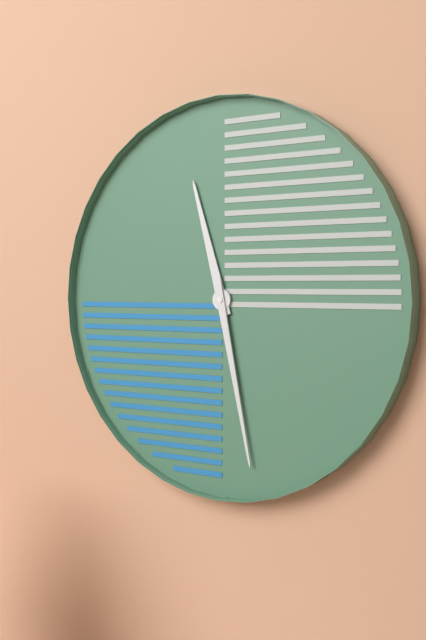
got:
11:28
